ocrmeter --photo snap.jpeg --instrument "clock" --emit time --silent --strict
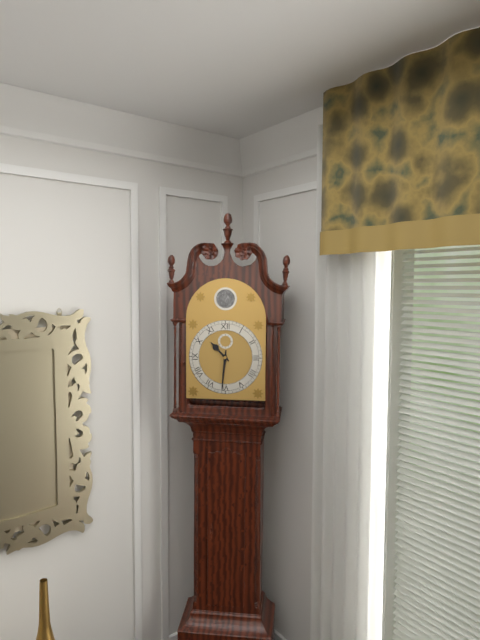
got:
10:31
